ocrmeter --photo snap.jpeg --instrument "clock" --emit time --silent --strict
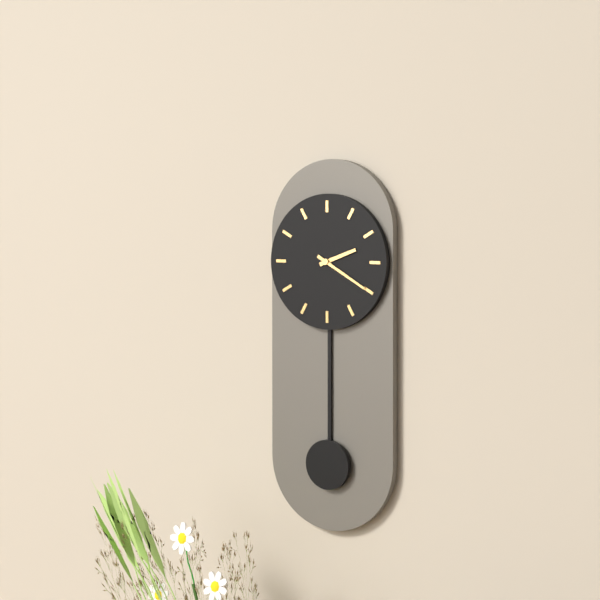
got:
2:20
